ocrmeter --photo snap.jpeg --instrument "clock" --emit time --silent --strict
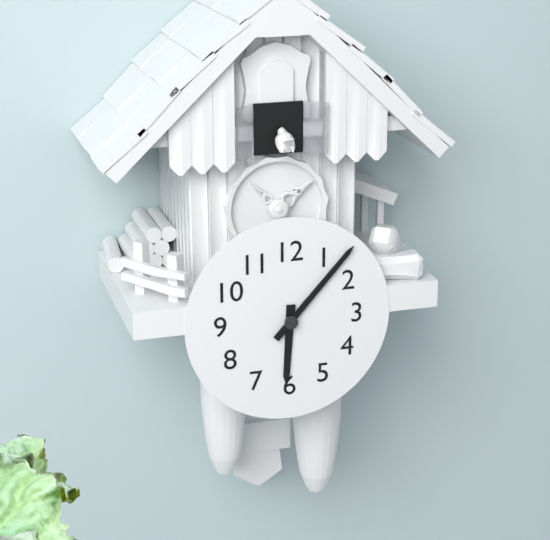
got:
6:07
